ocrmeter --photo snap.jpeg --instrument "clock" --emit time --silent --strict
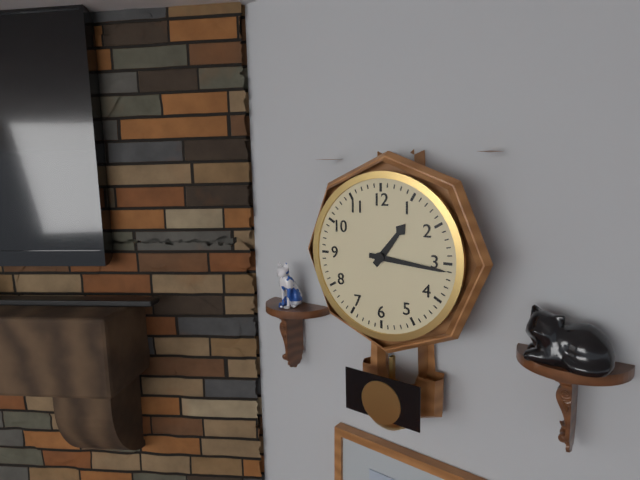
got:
1:16
